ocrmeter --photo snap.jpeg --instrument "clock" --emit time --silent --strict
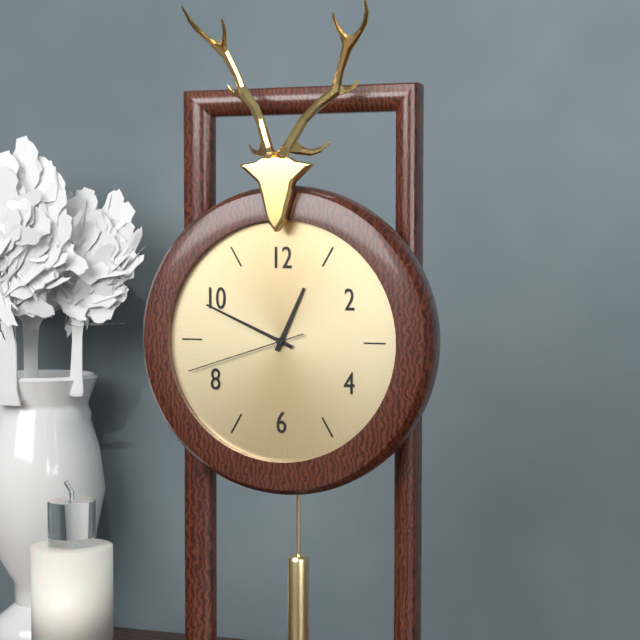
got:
12:49:42
